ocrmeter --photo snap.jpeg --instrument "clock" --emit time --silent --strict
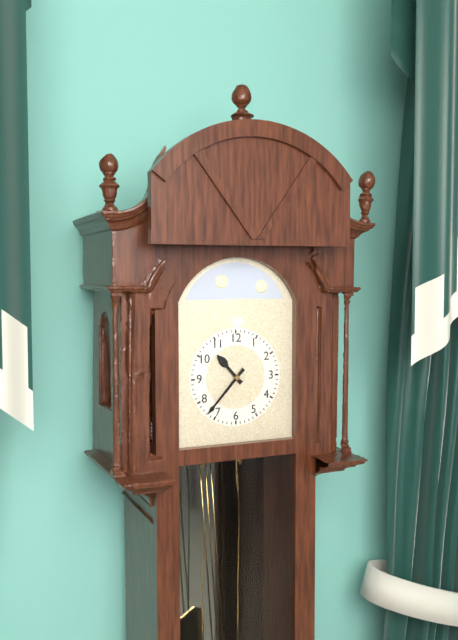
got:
10:37
